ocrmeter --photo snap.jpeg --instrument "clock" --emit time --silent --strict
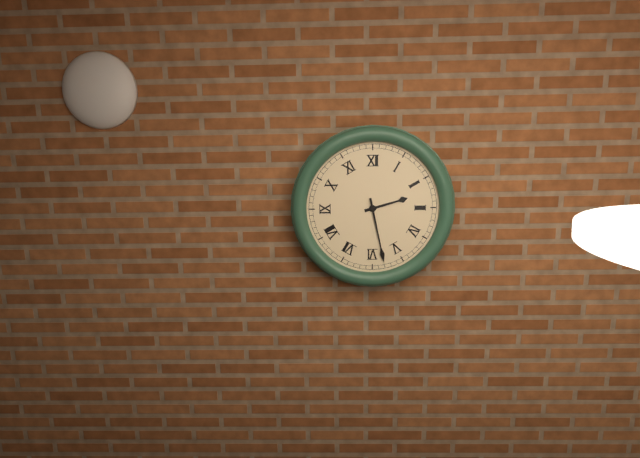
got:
2:28
